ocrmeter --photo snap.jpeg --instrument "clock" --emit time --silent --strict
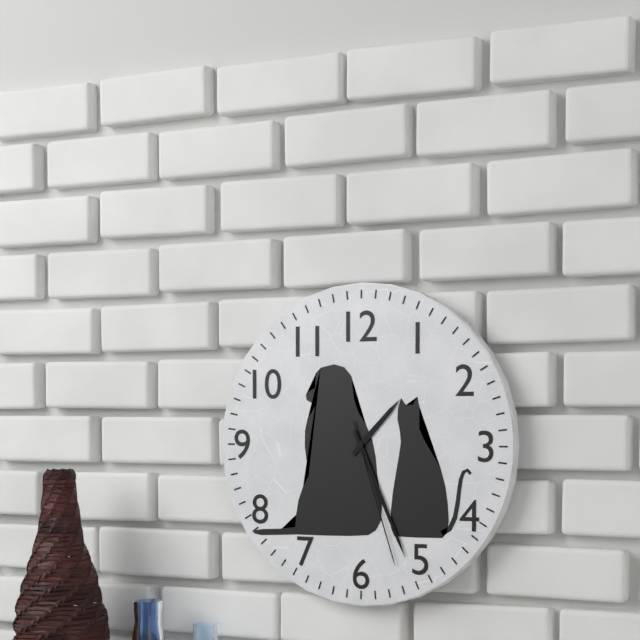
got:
1:26:27
